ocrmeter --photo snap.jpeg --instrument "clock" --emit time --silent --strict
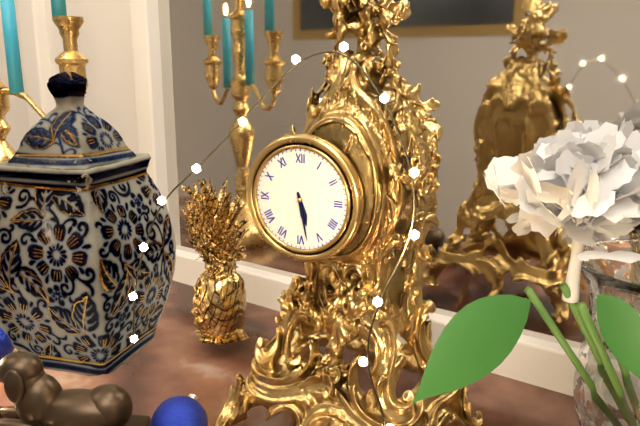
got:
5:28
